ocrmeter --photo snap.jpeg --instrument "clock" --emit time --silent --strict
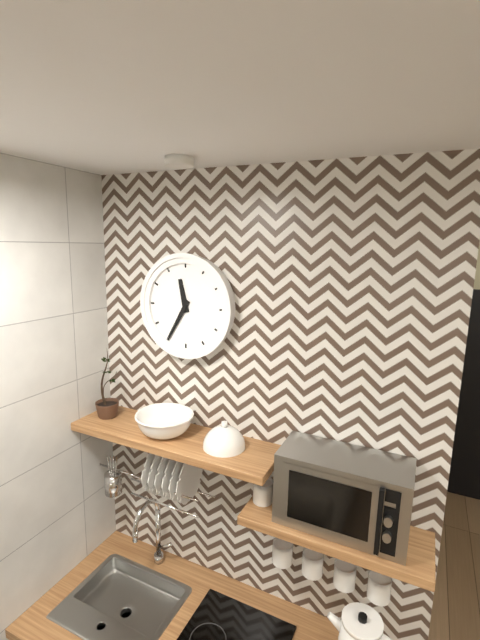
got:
11:35
